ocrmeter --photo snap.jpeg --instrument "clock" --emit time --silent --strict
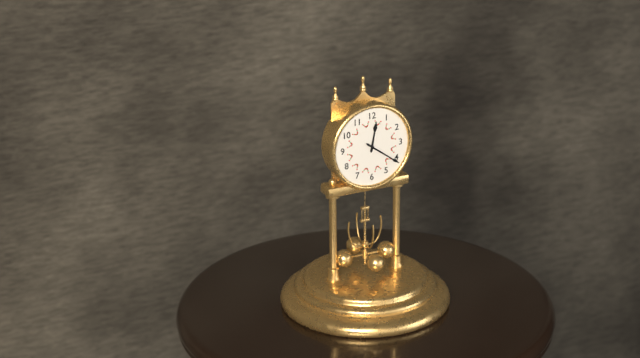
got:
12:21
